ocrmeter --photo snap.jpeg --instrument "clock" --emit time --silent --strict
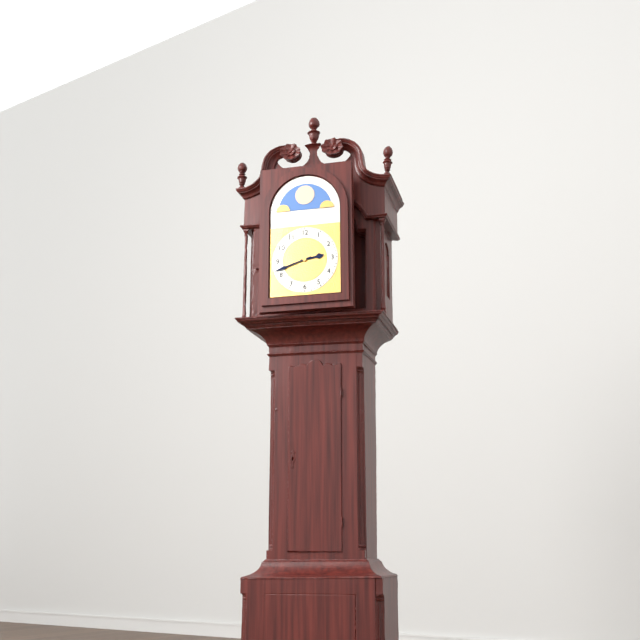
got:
2:42
